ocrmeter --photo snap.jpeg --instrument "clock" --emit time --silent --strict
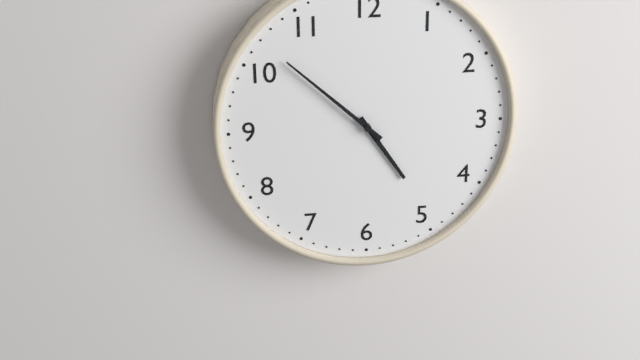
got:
4:52
